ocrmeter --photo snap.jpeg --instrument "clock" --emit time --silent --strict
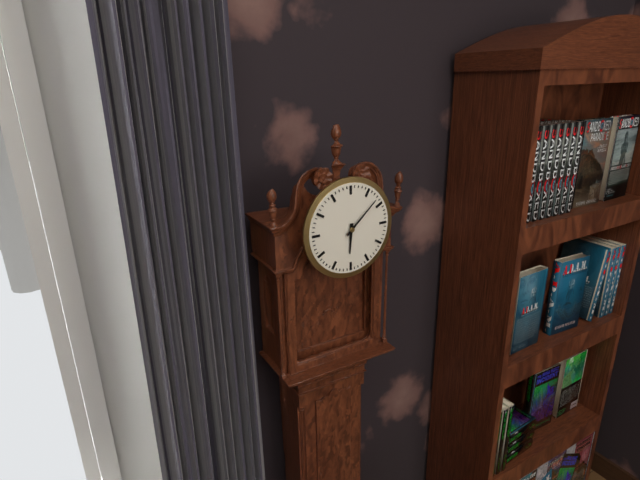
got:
6:08
